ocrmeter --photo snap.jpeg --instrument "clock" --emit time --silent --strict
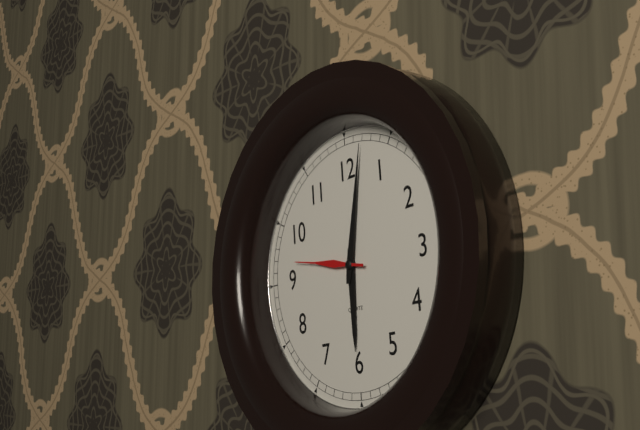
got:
6:02:47
